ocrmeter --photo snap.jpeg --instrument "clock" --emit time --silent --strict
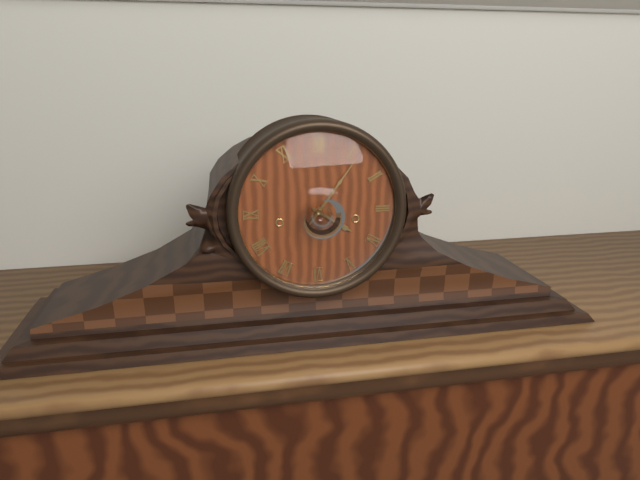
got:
4:06
